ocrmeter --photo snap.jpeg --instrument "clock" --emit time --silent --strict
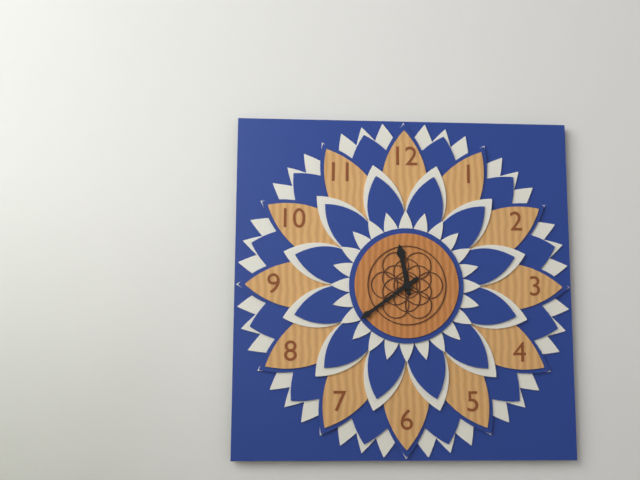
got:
11:39
